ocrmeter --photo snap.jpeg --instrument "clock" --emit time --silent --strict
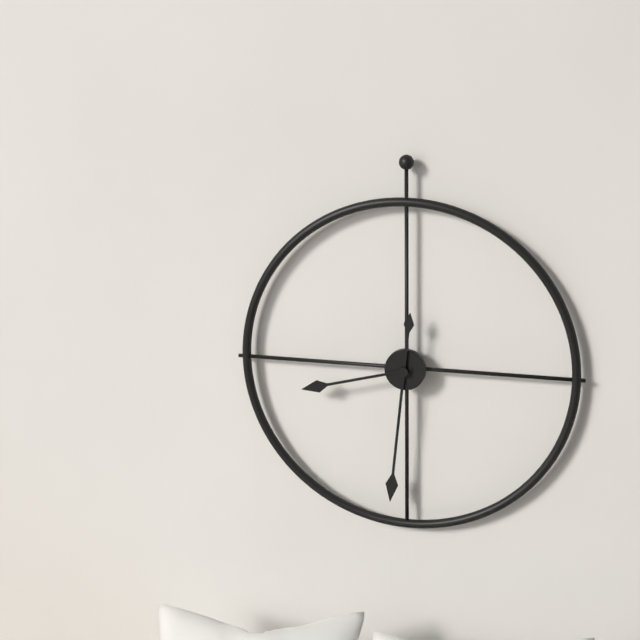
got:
8:31
